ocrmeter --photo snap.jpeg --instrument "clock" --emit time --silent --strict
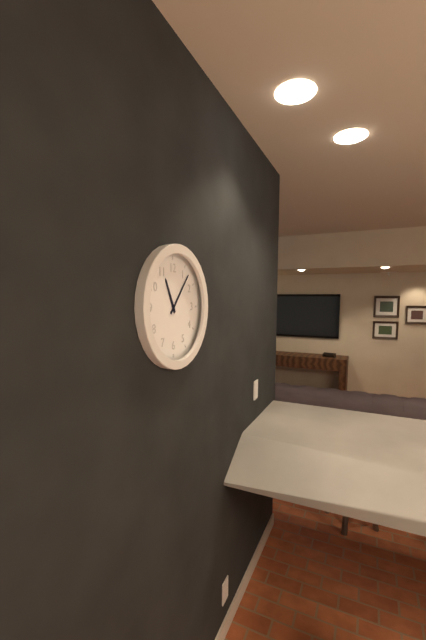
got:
11:07
